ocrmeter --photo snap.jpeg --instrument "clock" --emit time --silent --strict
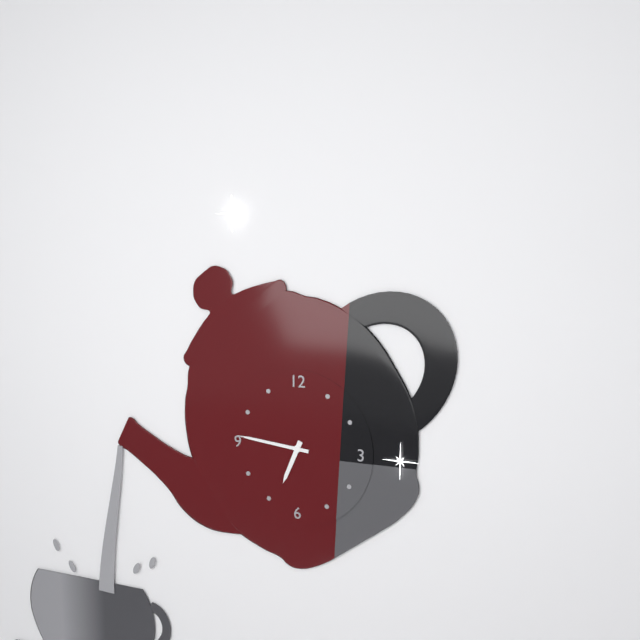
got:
6:46
